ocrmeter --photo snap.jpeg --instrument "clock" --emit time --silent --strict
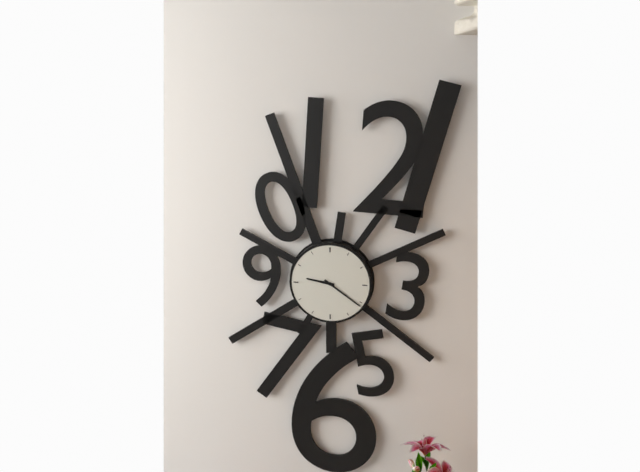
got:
9:21
